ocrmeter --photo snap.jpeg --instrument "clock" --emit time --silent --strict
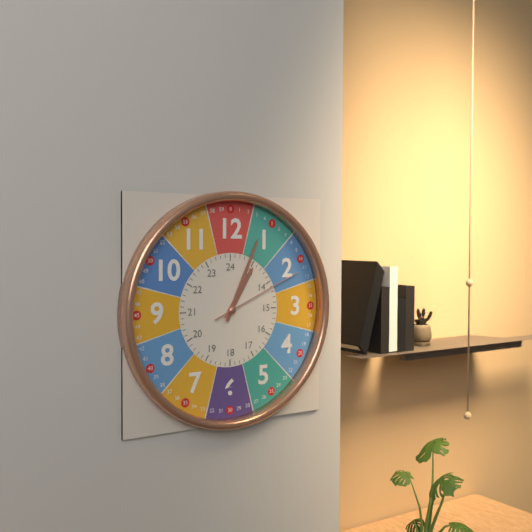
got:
1:04:11
